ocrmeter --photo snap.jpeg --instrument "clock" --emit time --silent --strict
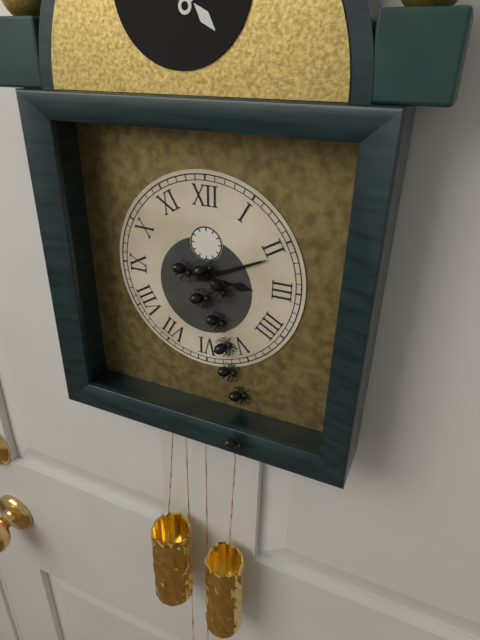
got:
3:11
